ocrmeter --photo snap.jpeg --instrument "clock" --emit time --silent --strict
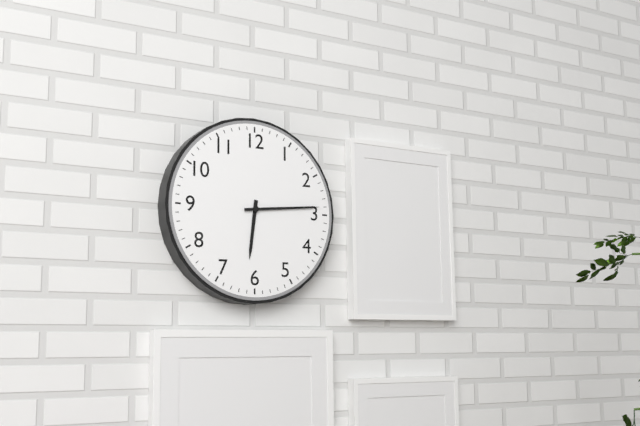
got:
6:14
